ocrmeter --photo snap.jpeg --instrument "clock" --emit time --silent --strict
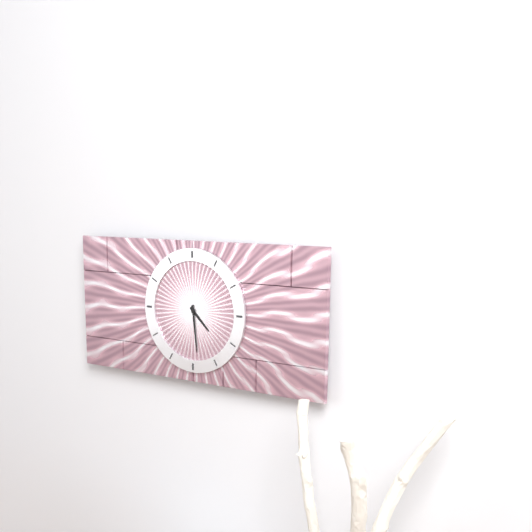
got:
4:29
